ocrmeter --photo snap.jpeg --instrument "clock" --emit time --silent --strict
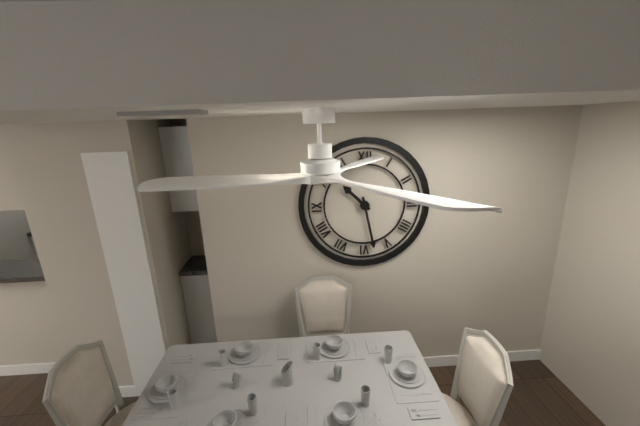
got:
10:28
